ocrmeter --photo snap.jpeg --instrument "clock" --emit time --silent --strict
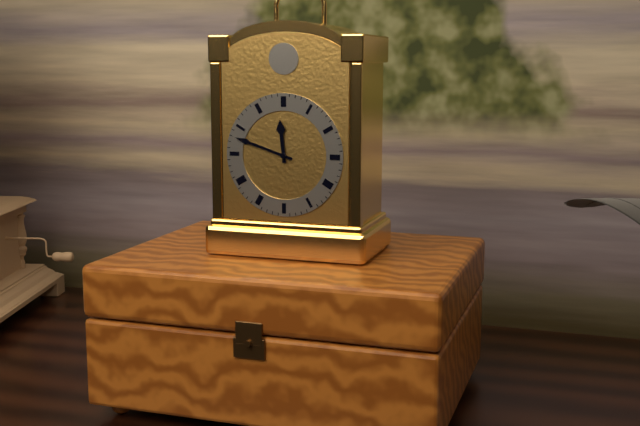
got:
11:48
